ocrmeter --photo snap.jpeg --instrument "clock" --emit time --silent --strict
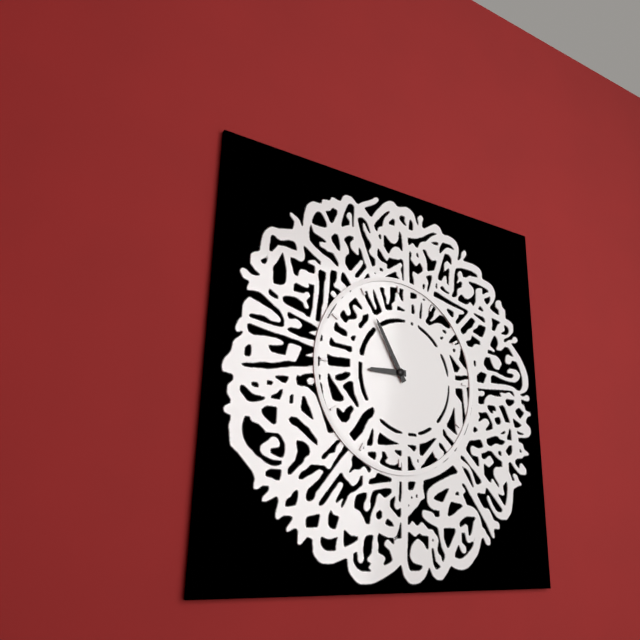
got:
8:55
